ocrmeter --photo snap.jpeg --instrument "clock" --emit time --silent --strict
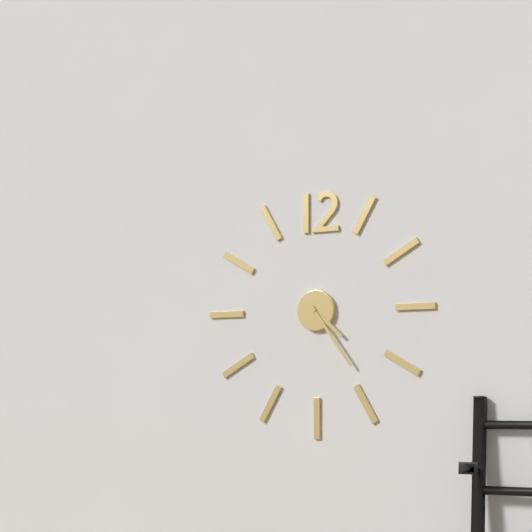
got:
4:24
